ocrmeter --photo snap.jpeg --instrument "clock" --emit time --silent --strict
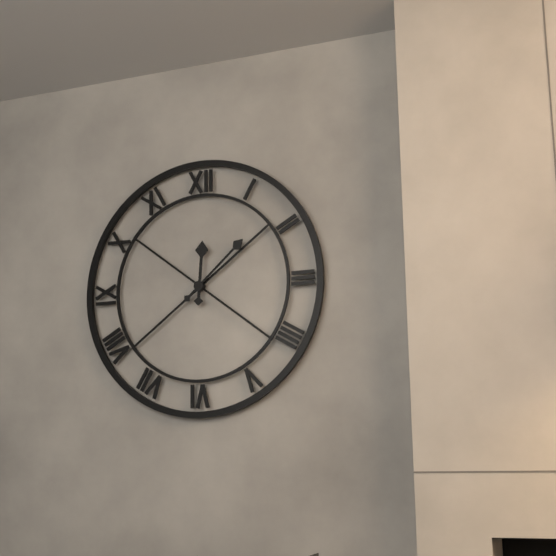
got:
12:08
